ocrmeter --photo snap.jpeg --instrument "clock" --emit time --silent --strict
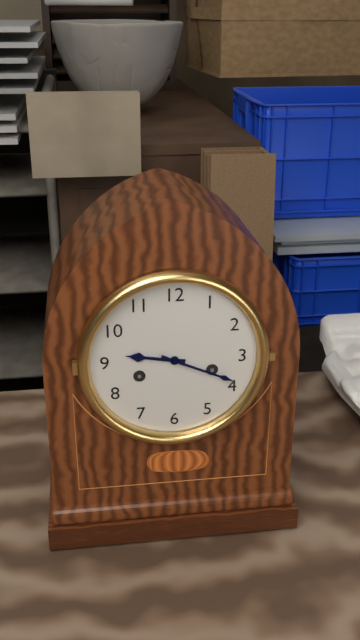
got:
9:19
